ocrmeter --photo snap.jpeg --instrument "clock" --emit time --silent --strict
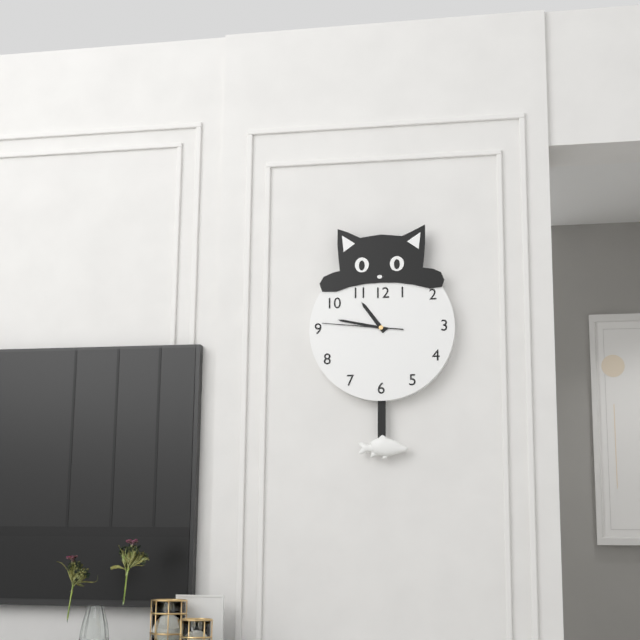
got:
10:47:46
